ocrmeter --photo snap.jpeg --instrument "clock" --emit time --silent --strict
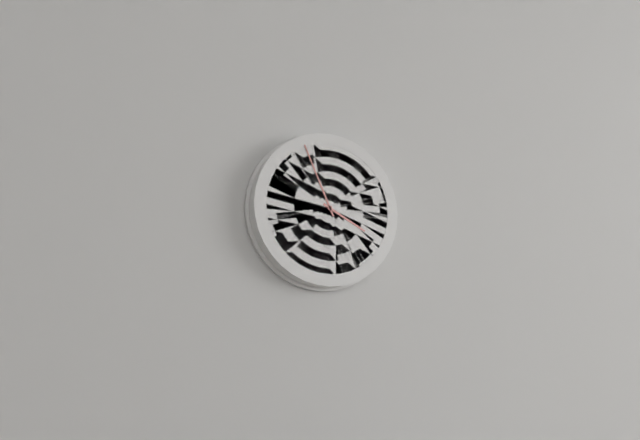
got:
3:56
